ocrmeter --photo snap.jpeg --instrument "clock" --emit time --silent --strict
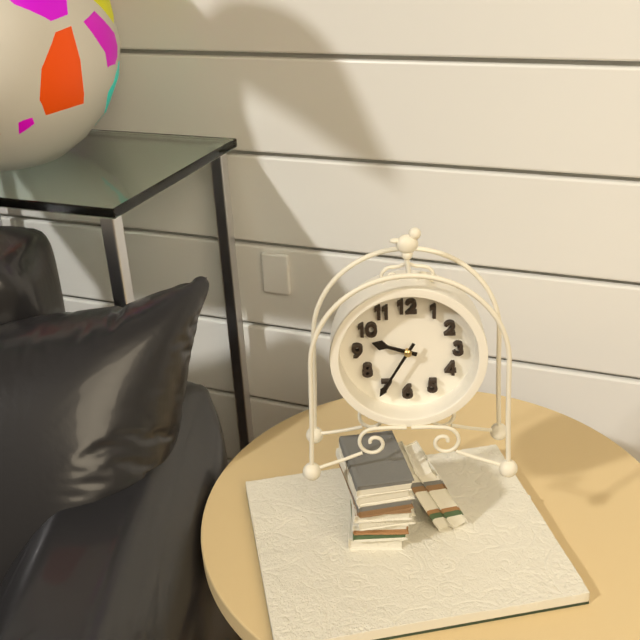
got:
9:35
